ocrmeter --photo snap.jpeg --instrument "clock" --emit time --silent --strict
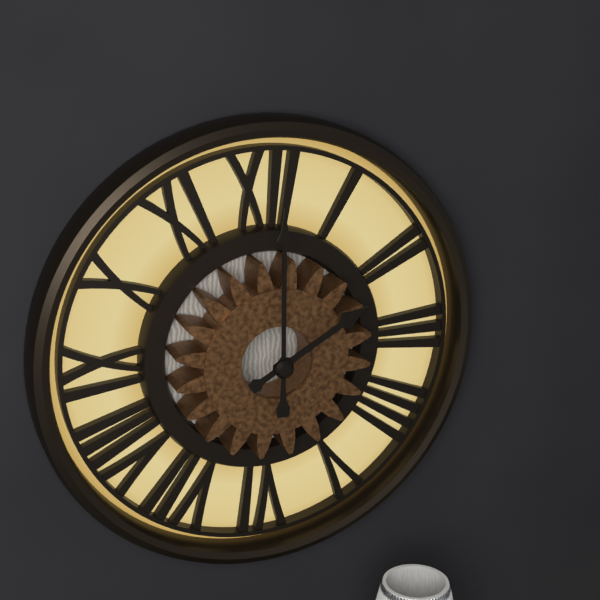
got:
2:00
